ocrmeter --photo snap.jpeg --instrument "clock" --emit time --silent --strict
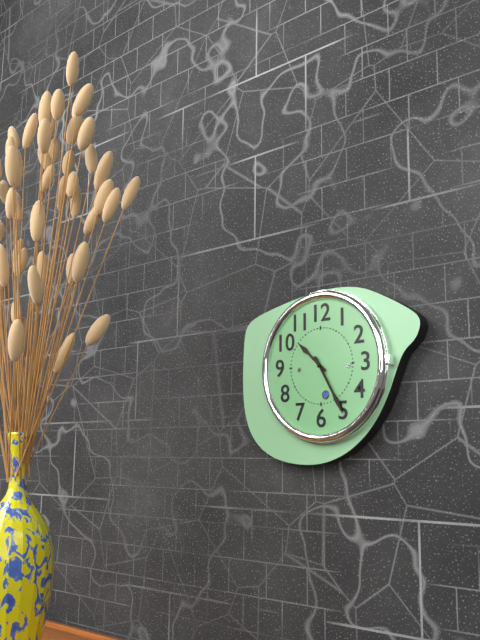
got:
10:25
